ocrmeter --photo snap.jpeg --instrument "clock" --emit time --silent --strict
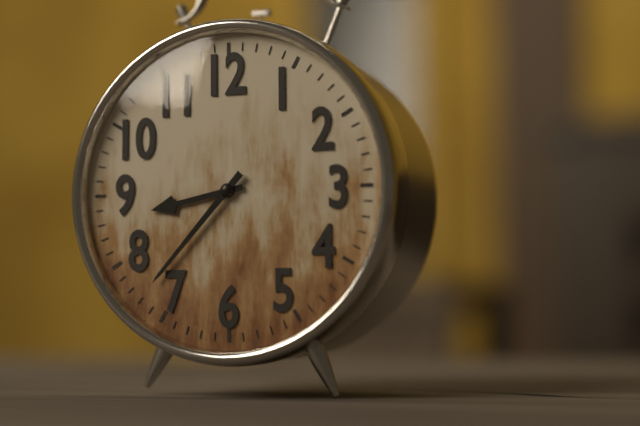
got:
8:37
